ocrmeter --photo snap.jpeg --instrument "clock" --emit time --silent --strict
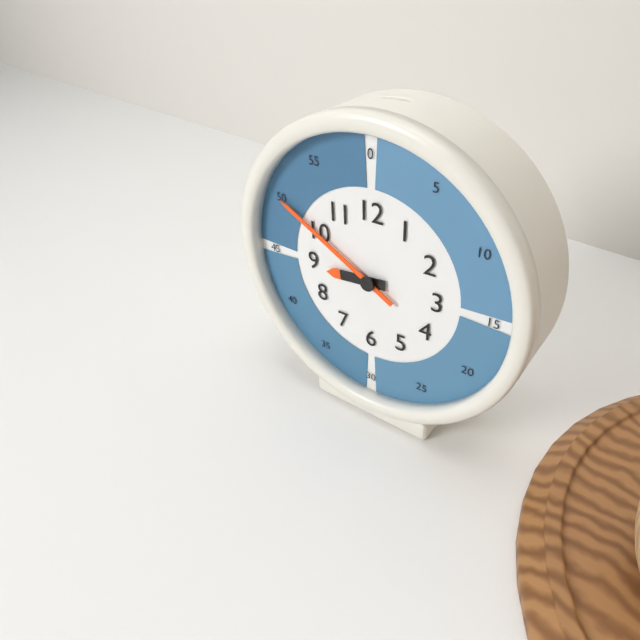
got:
8:50
